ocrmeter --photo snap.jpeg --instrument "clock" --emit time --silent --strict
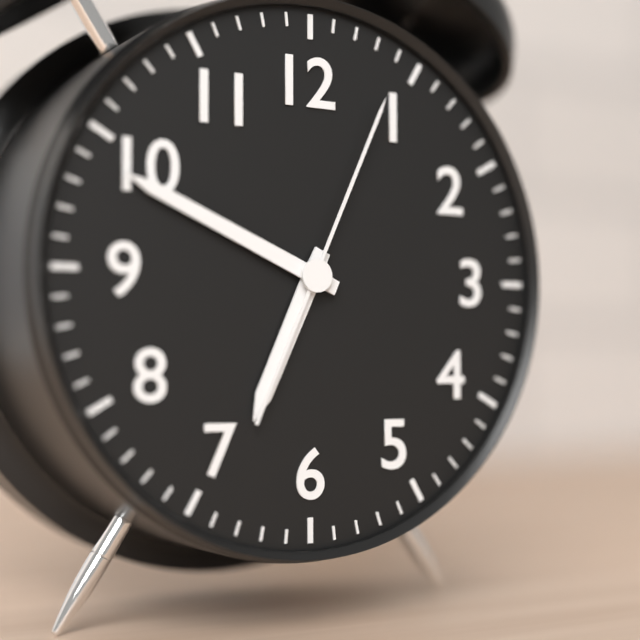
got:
6:49:04
